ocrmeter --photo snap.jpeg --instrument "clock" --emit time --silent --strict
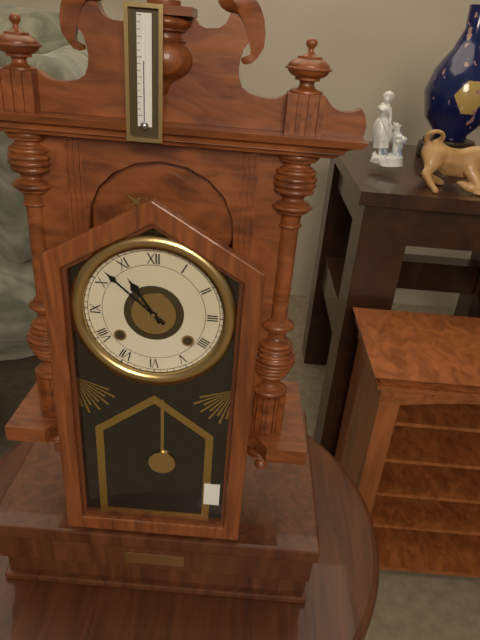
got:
10:52
